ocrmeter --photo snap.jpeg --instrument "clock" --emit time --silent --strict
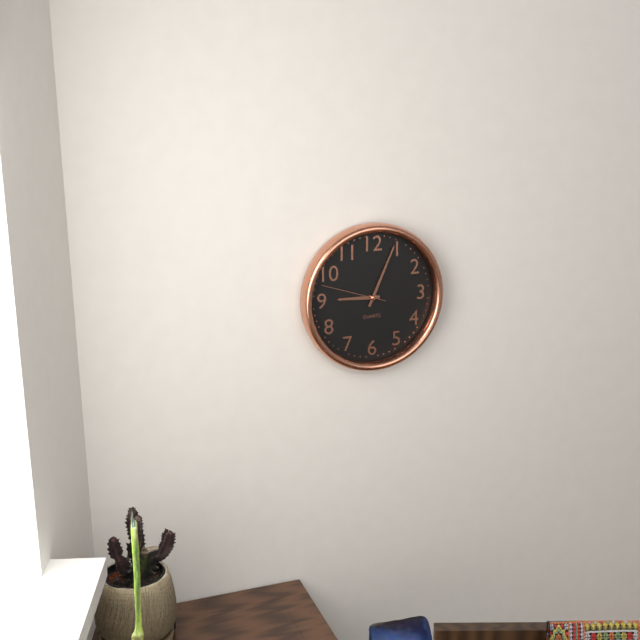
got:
9:04:48
